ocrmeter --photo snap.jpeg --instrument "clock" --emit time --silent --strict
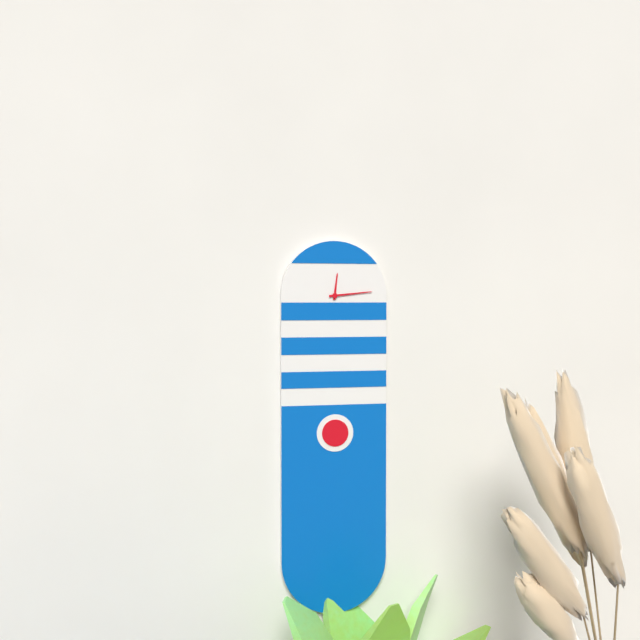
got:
12:14
